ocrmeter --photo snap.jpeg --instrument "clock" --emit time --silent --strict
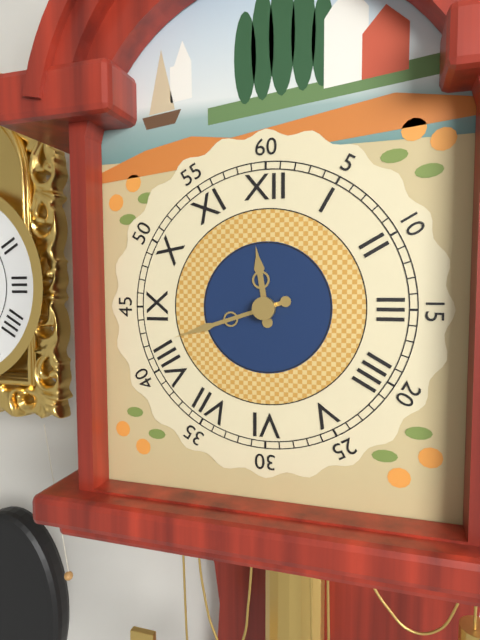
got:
11:42
